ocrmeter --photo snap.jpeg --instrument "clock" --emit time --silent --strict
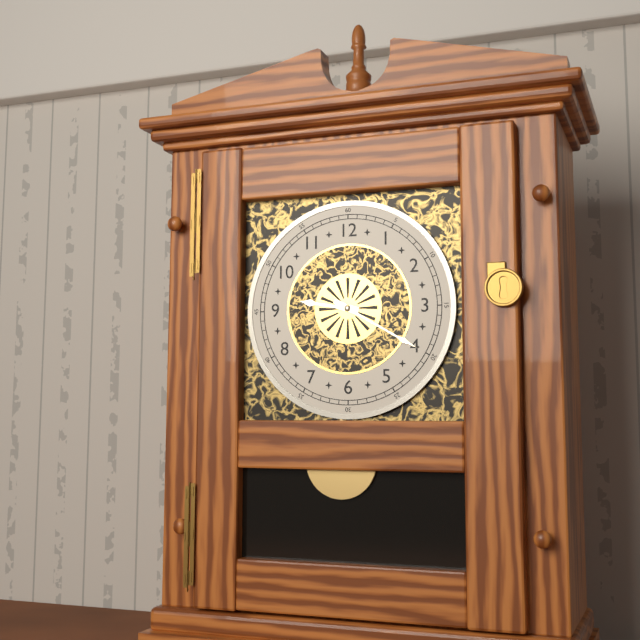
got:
9:20
